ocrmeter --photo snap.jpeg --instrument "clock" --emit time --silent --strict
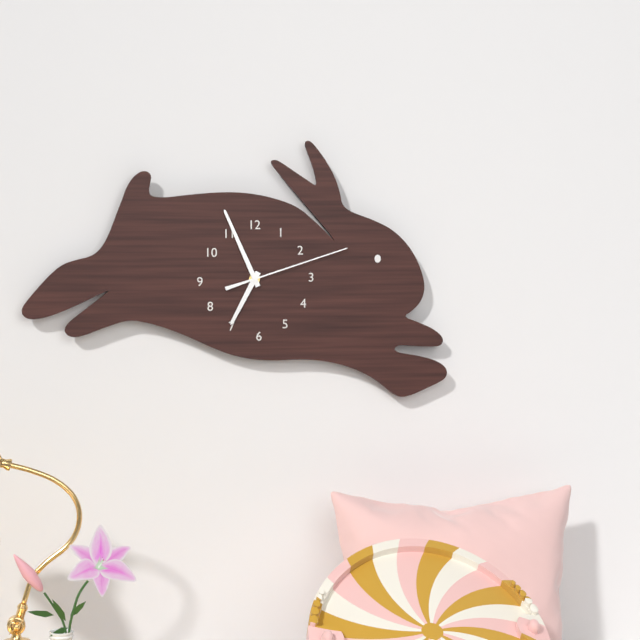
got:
6:56:12
